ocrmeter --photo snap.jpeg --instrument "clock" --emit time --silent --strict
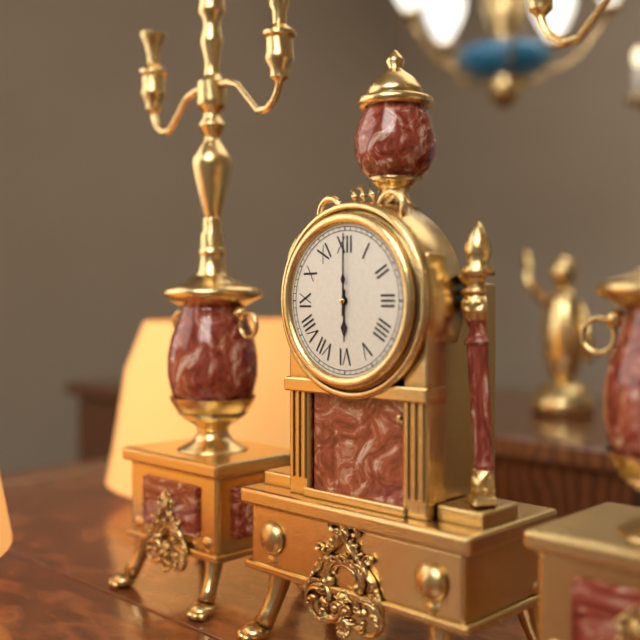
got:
6:00
